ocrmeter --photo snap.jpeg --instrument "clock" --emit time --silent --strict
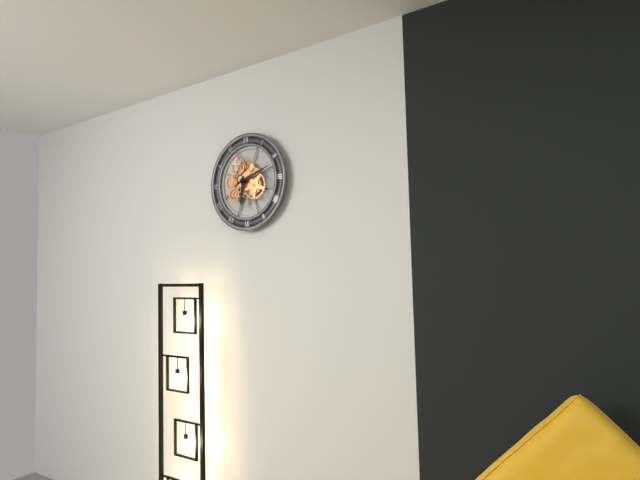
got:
6:12
